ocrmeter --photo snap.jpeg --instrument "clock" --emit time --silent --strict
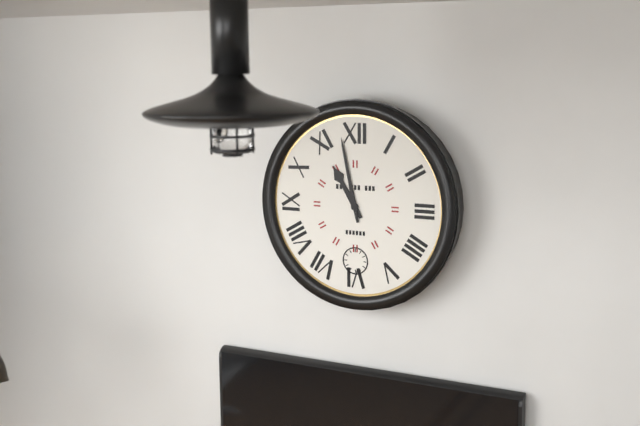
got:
10:58
